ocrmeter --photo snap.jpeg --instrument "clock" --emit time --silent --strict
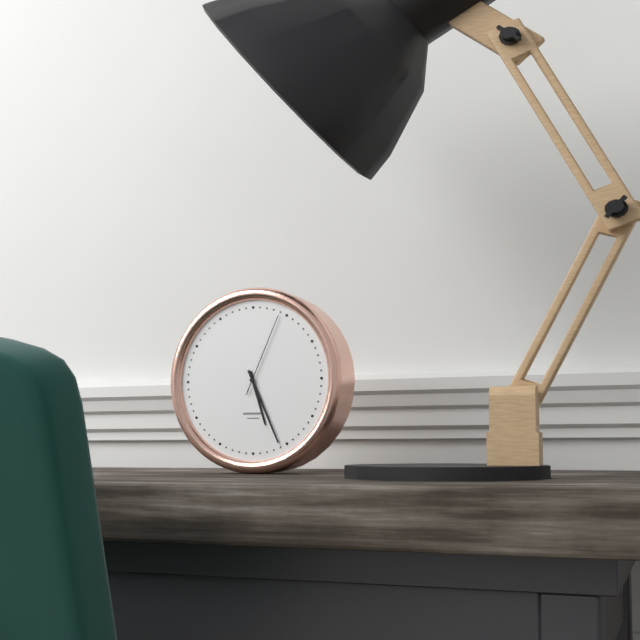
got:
5:26:04
